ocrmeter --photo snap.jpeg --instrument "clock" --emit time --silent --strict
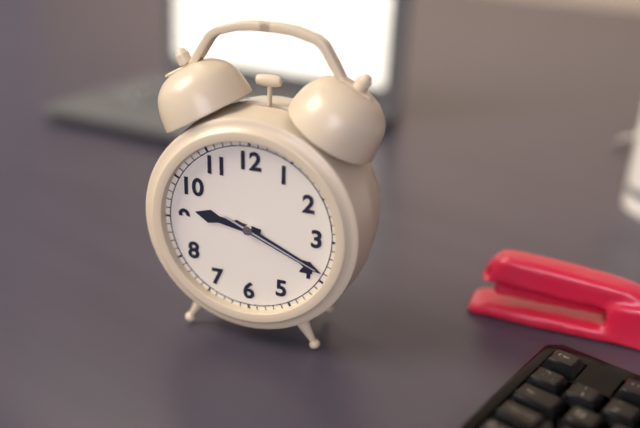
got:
9:19:19
